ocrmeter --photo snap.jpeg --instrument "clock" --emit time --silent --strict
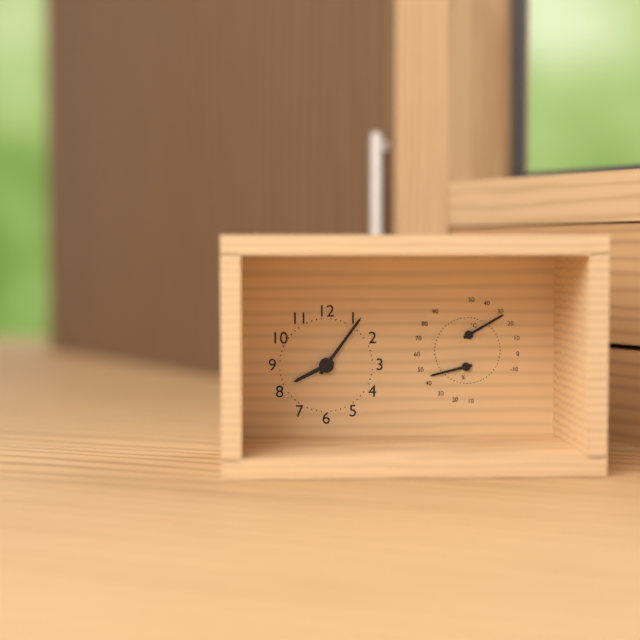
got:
8:06
